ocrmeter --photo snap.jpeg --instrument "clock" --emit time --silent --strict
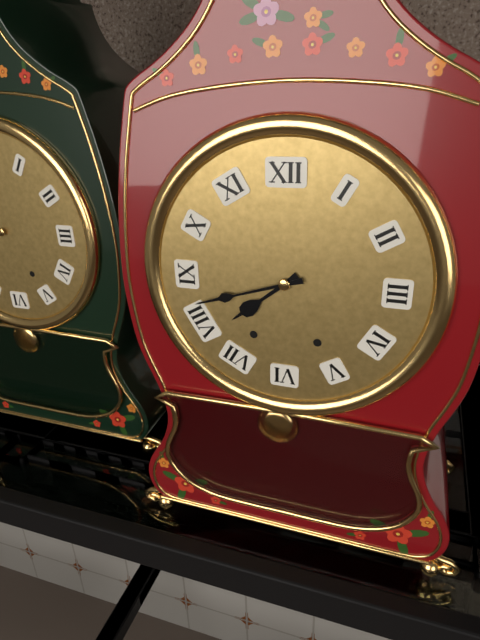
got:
7:42
